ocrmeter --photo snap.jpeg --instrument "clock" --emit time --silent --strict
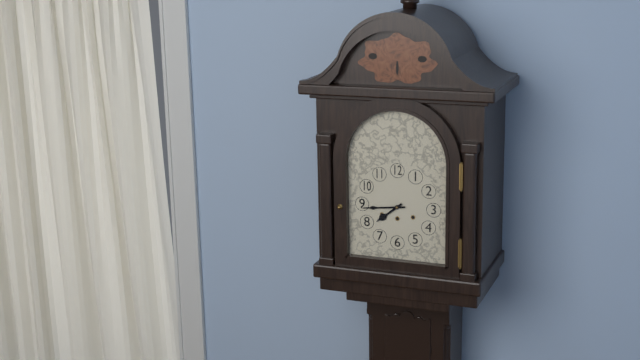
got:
7:44
